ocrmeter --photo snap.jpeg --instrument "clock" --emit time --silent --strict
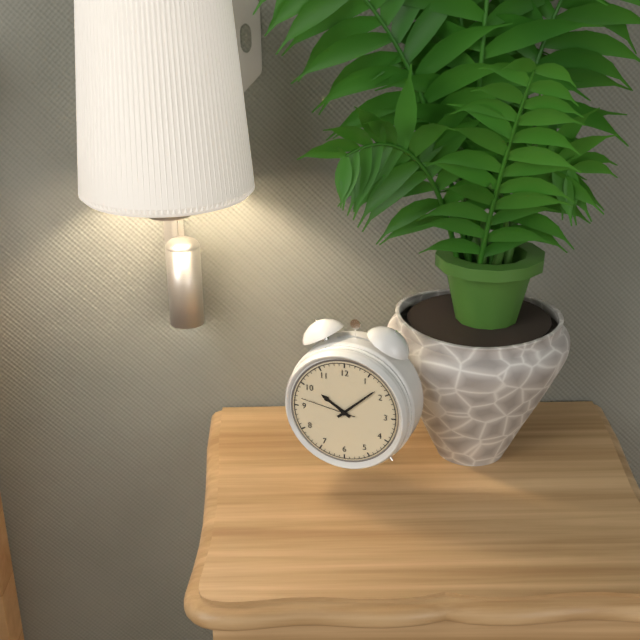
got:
10:08:47
